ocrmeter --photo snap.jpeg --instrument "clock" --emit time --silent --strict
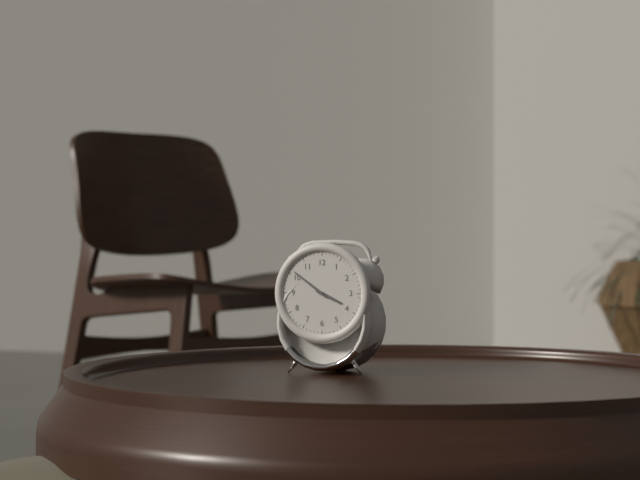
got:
3:51
